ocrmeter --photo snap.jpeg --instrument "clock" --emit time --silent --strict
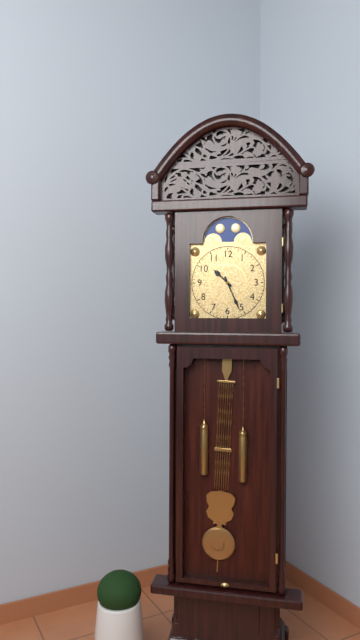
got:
10:26
